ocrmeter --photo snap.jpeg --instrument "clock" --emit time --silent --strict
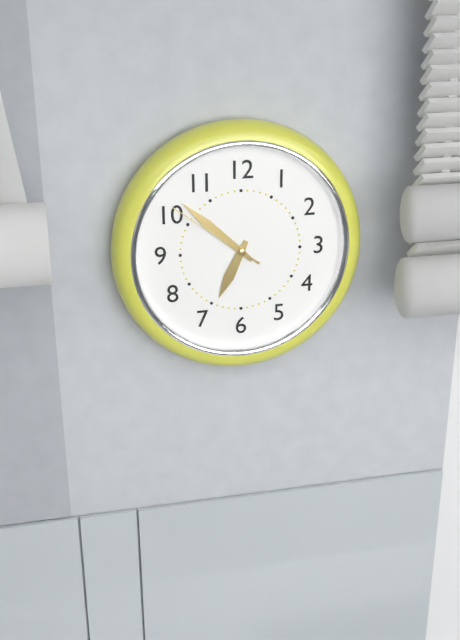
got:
6:52:51
